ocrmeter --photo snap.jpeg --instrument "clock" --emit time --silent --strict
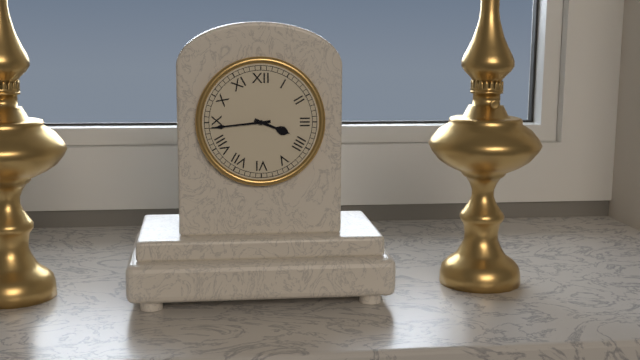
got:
3:44
